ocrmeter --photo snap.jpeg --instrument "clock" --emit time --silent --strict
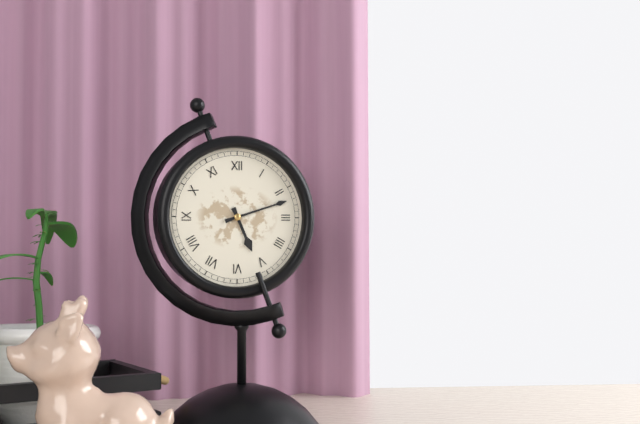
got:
5:12
